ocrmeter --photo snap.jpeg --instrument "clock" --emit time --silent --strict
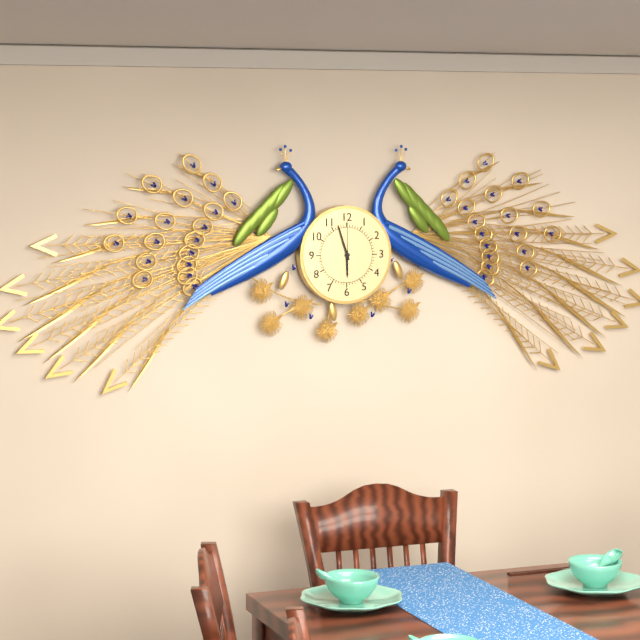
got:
5:57
